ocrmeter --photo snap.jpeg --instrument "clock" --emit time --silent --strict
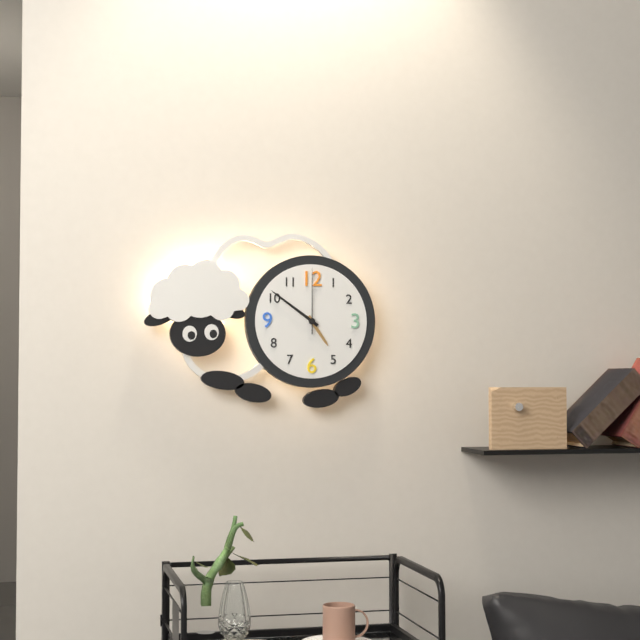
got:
4:51:00
